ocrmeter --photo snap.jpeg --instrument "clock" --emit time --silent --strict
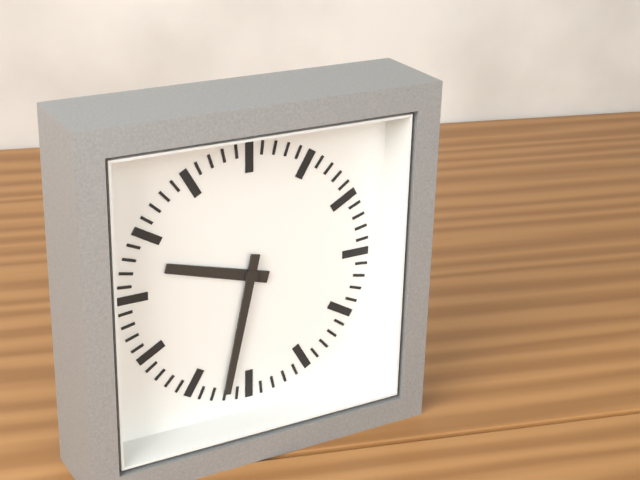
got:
9:32
